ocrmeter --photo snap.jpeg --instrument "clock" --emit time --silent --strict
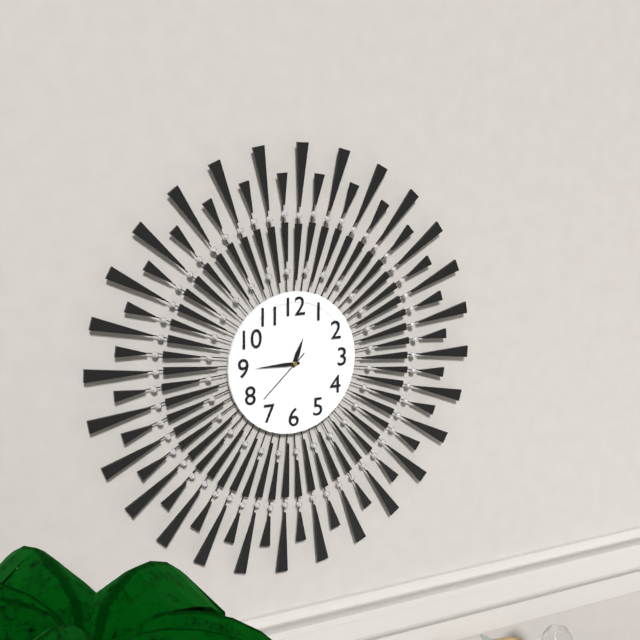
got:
12:45:38
